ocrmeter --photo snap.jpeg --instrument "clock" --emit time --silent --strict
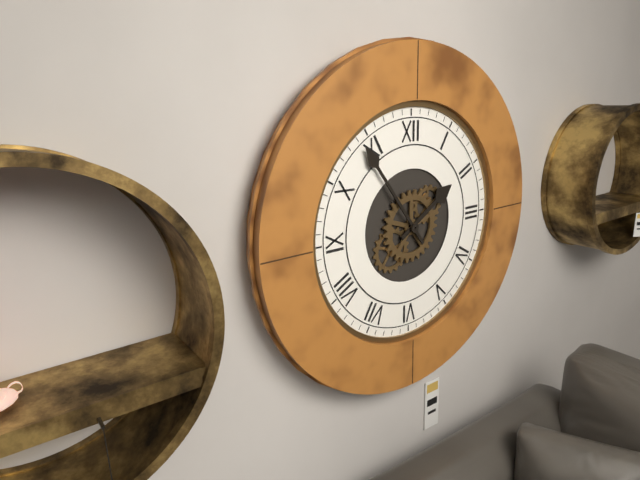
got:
1:54
